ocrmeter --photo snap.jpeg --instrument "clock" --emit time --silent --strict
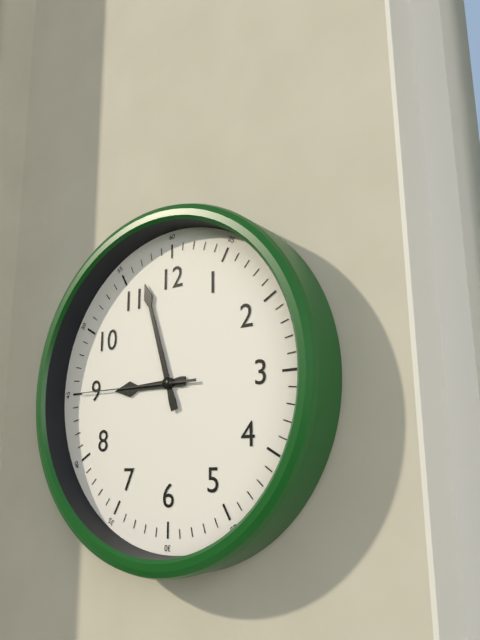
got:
8:57:45
